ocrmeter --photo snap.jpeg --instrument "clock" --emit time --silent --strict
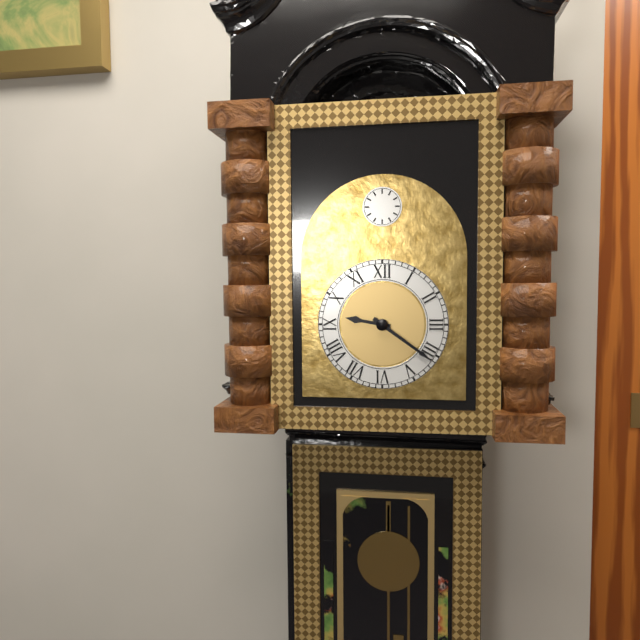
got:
9:21
